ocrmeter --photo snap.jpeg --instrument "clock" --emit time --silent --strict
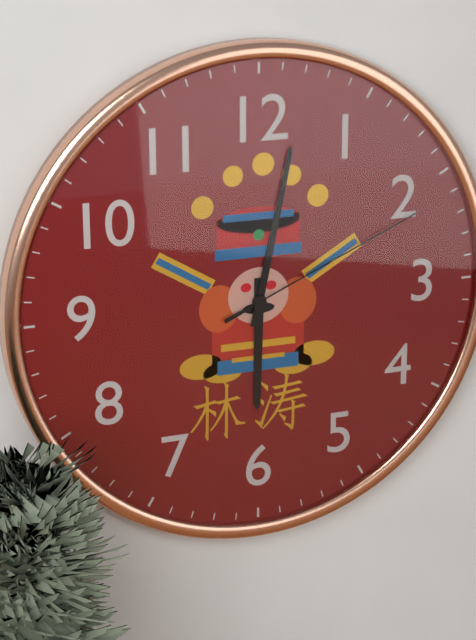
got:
6:02:11
